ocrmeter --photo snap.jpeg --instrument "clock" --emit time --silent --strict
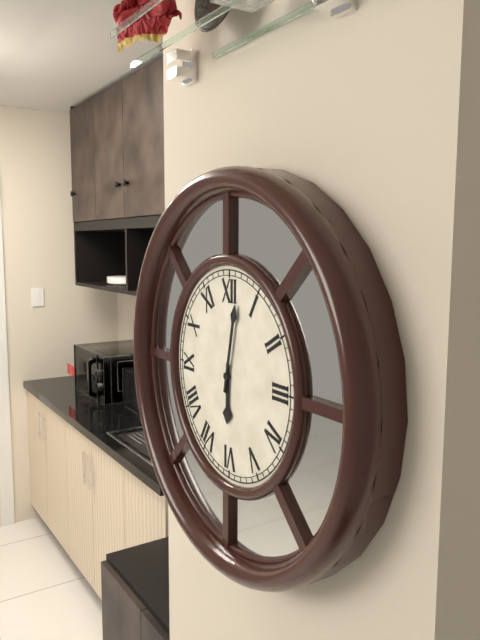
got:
6:02
